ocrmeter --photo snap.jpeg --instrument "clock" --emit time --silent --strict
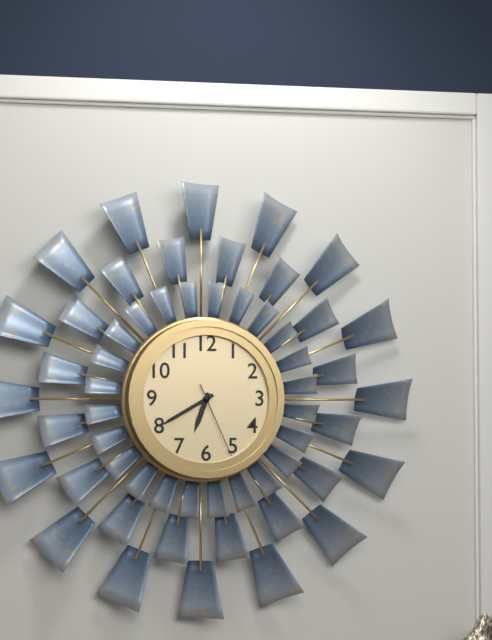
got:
6:40:26
